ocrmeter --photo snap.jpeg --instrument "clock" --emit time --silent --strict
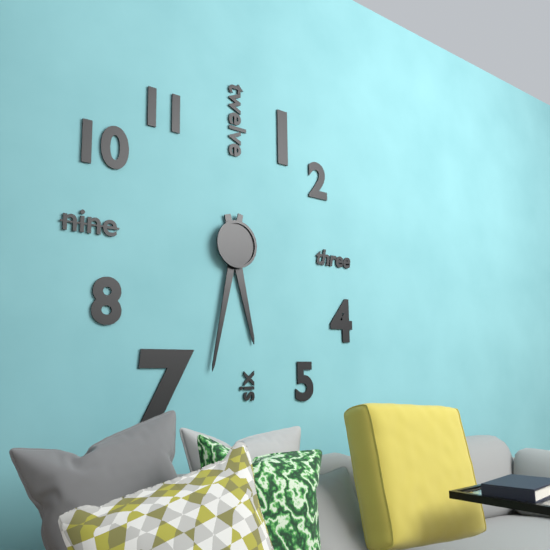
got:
5:32
